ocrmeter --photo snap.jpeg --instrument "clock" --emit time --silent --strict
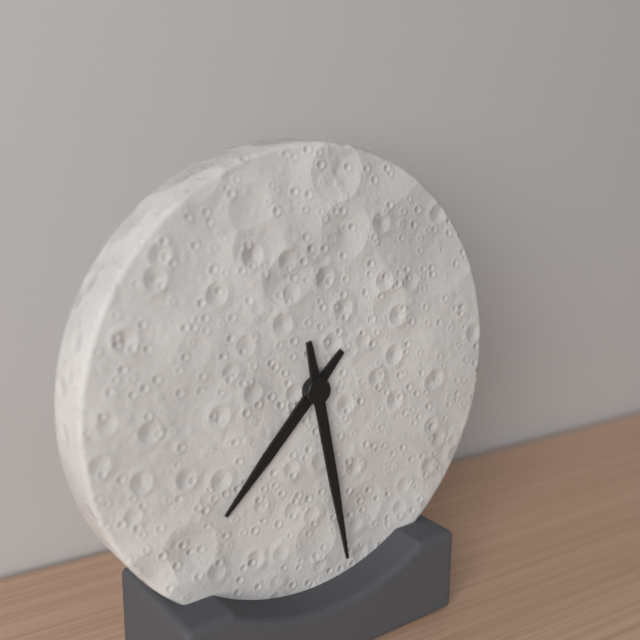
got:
7:28
